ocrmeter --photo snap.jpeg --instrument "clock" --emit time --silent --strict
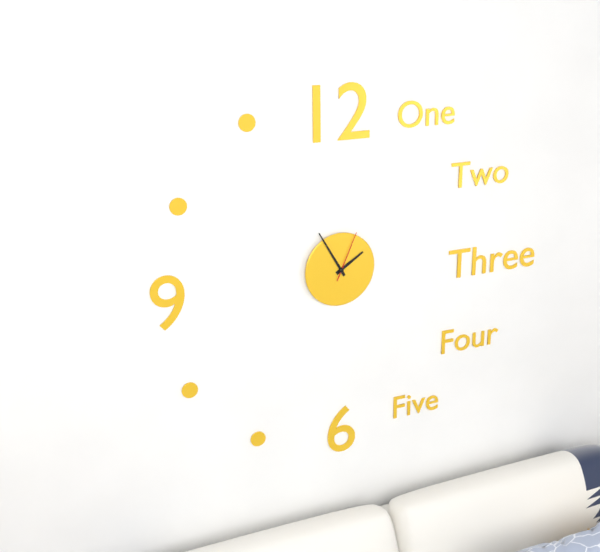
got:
1:55:04
